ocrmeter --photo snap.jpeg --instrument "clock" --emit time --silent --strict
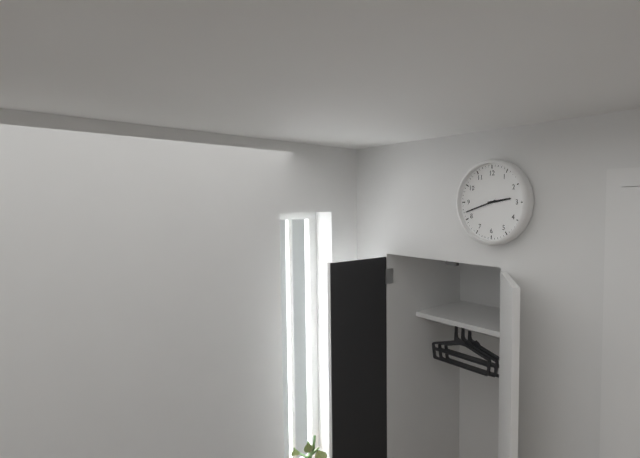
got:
2:42
